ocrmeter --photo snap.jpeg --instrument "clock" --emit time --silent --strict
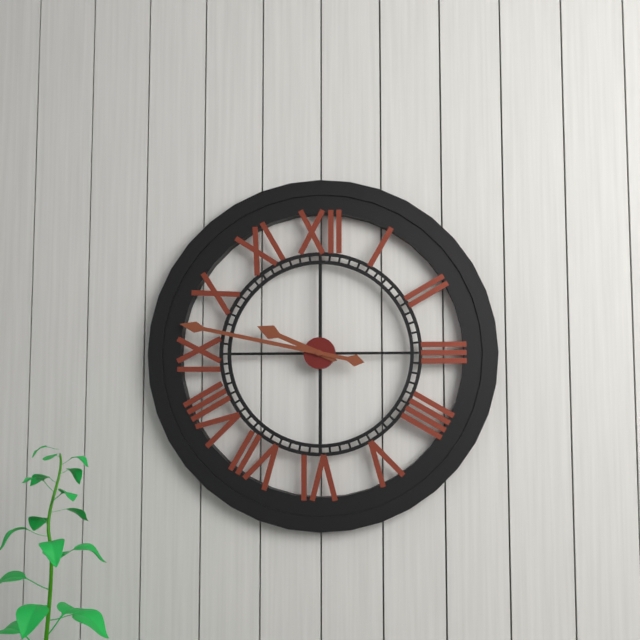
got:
9:47
